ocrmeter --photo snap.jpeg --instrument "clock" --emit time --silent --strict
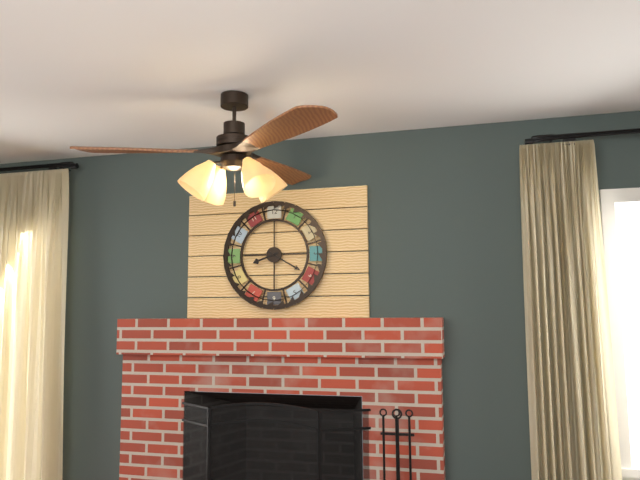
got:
8:20
